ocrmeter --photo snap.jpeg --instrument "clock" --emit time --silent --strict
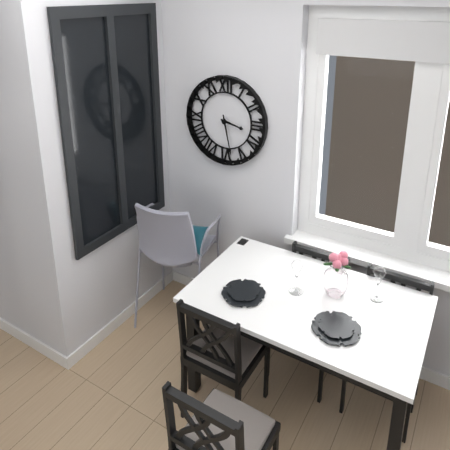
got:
3:28
